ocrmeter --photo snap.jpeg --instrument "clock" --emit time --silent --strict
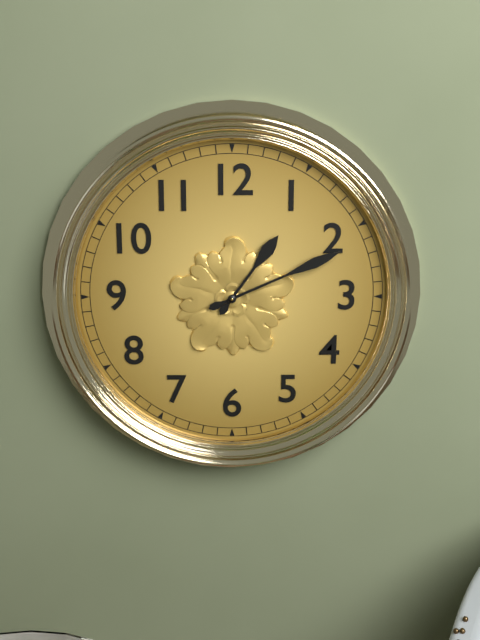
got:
1:11
